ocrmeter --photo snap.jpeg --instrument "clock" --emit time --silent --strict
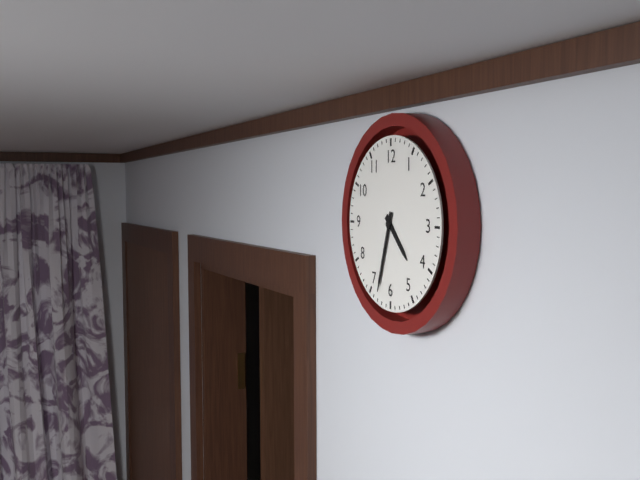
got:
4:33
